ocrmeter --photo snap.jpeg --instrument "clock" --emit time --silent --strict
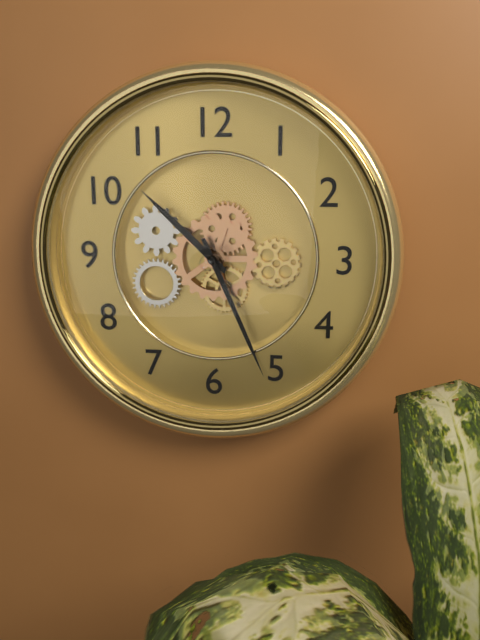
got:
10:26
